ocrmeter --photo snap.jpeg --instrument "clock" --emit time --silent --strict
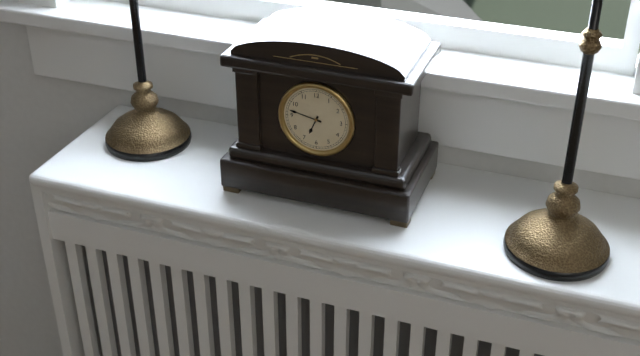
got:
6:47
